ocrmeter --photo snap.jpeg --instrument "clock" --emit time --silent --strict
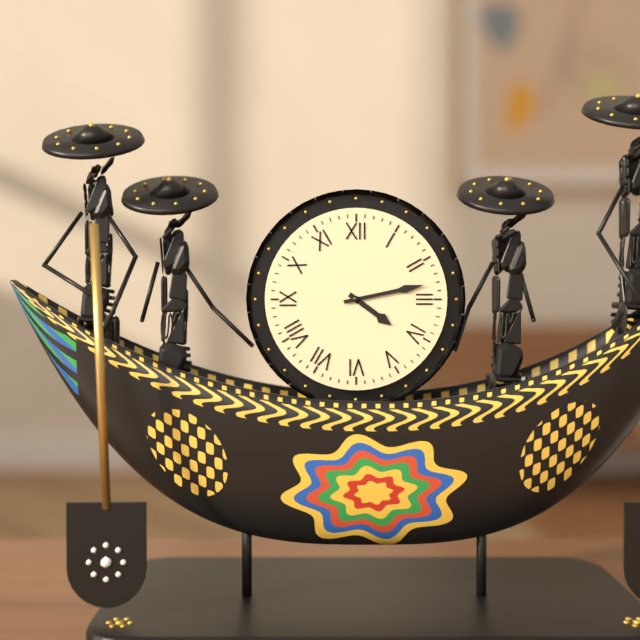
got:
4:13
